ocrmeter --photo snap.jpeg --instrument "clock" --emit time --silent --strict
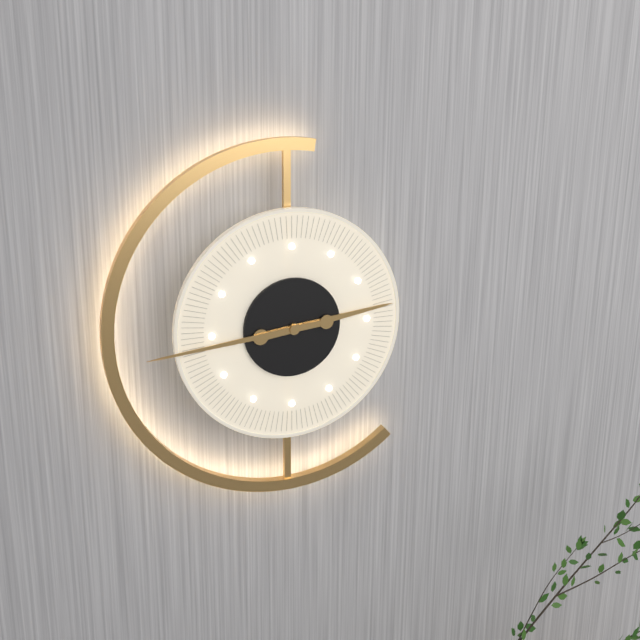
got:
2:44
